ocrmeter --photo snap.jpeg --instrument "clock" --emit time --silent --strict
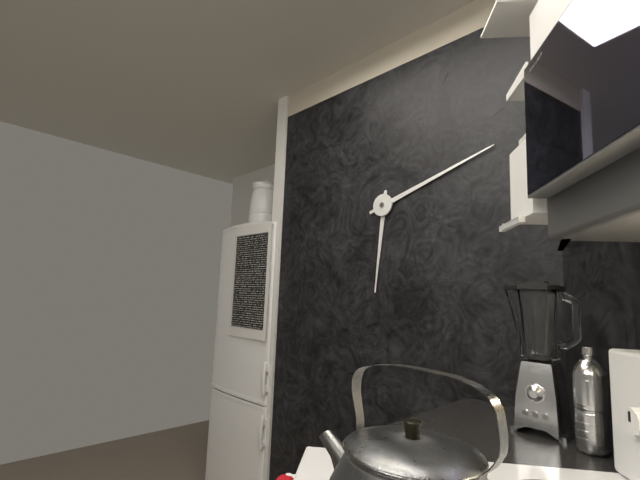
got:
6:12
